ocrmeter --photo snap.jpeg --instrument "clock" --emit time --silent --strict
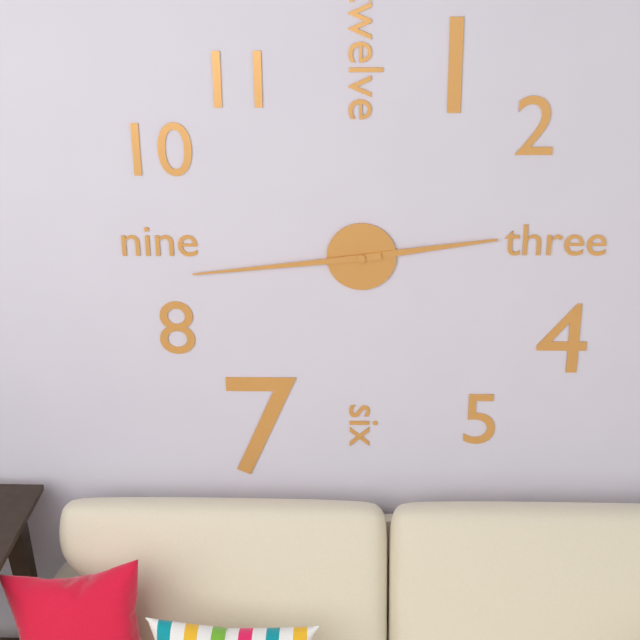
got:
2:44
